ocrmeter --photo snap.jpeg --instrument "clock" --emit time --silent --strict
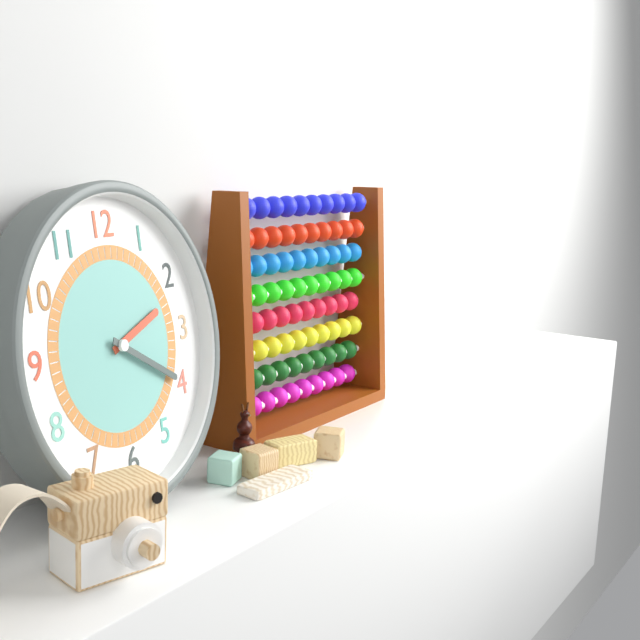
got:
2:20
